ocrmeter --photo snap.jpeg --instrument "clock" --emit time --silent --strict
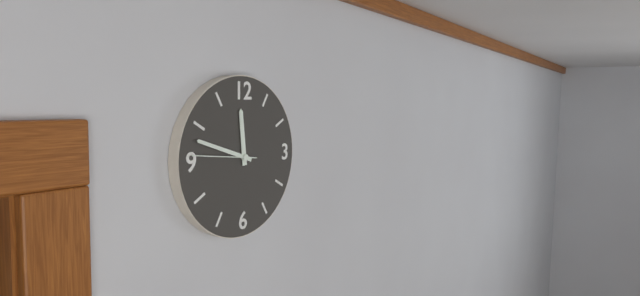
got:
11:48:46
